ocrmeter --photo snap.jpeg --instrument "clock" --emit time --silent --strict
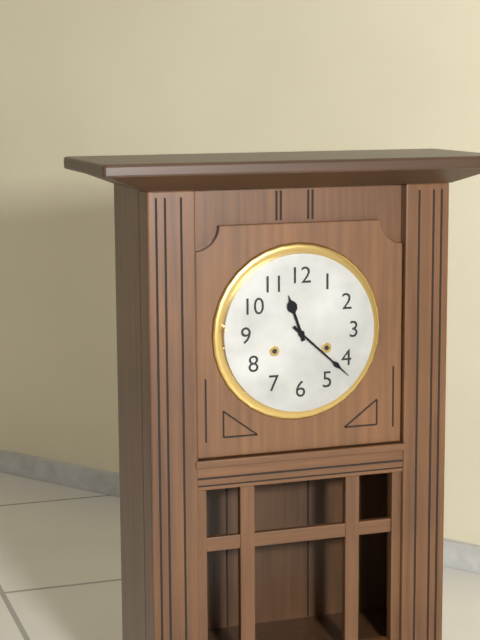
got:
11:22
